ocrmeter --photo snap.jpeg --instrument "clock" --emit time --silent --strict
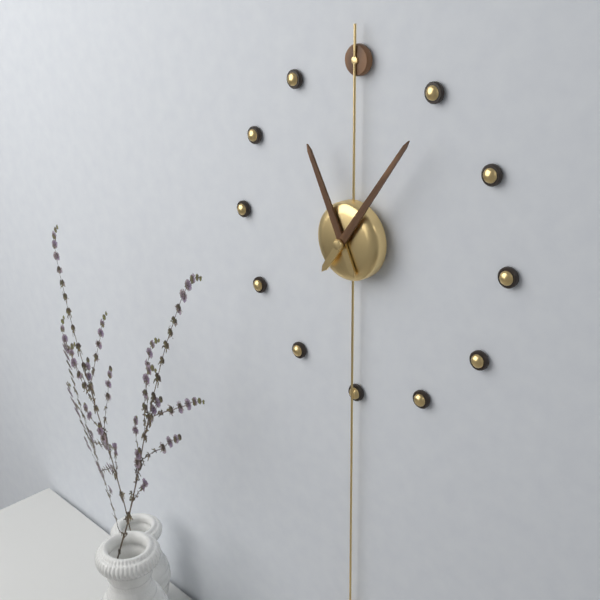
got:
11:06
